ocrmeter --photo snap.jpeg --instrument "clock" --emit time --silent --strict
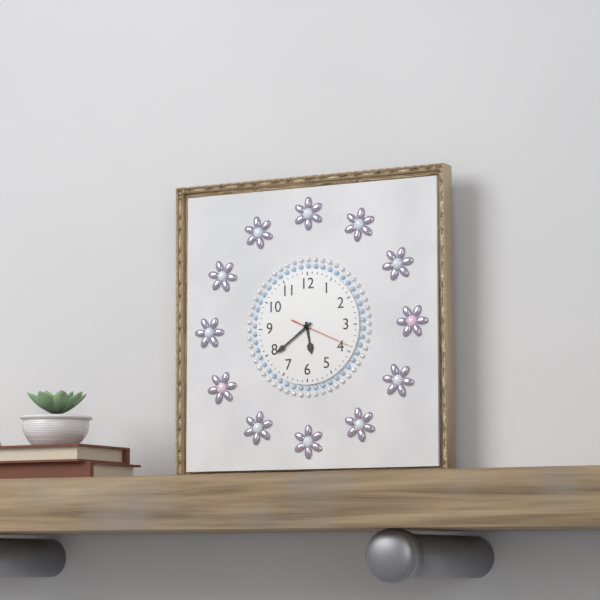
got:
5:39:19
